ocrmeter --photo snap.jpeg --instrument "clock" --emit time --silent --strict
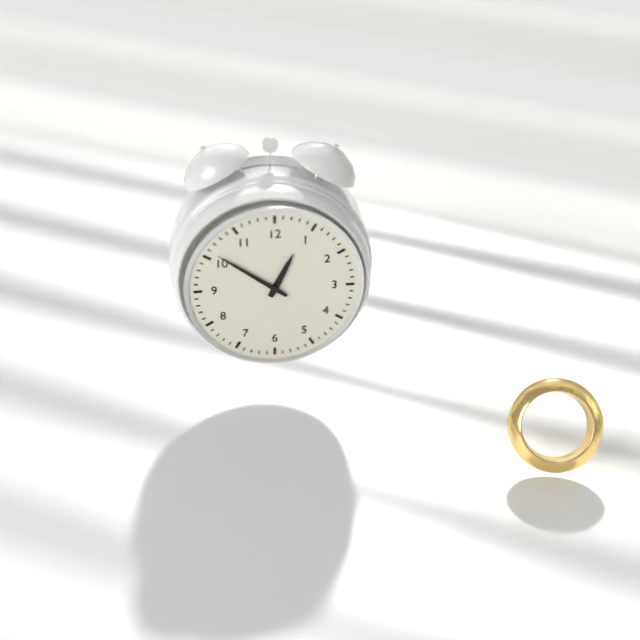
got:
12:51
